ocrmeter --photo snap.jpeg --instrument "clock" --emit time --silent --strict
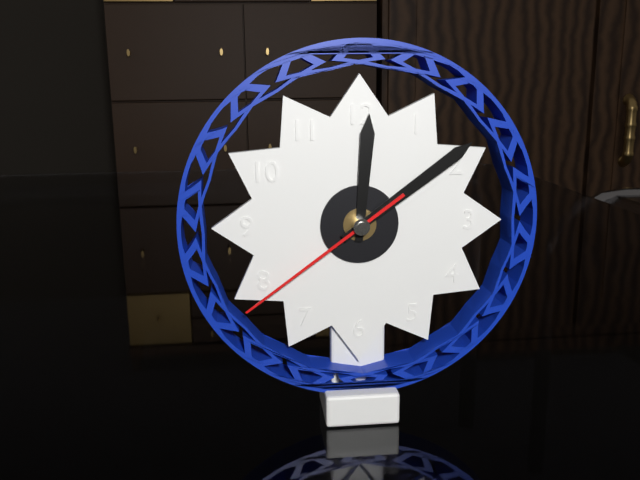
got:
12:09:39
